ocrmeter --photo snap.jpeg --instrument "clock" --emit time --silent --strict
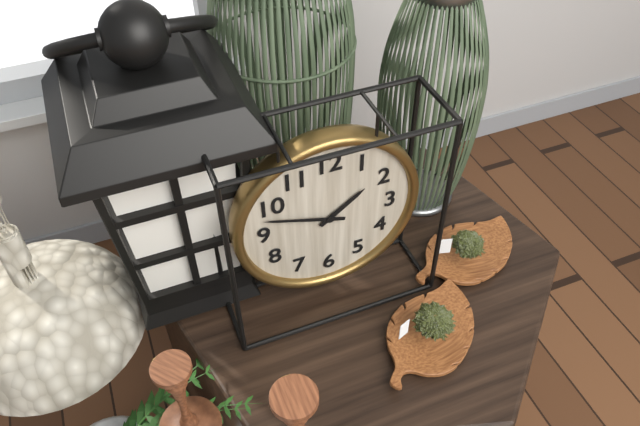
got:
1:48
